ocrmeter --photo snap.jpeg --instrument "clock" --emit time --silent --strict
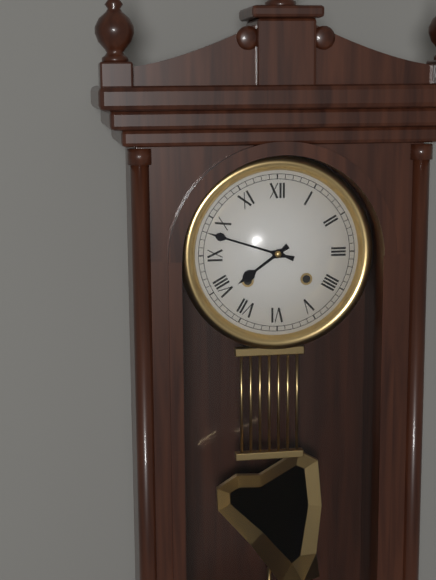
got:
7:48
